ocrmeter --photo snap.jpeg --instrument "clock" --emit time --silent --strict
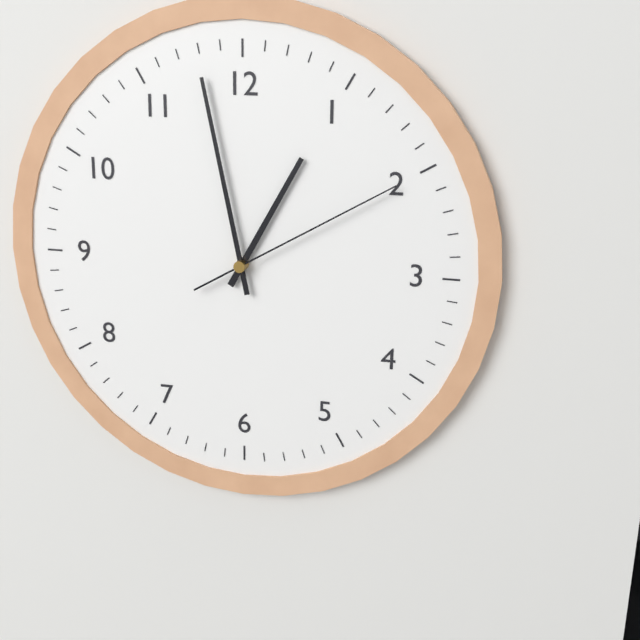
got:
12:58:10
